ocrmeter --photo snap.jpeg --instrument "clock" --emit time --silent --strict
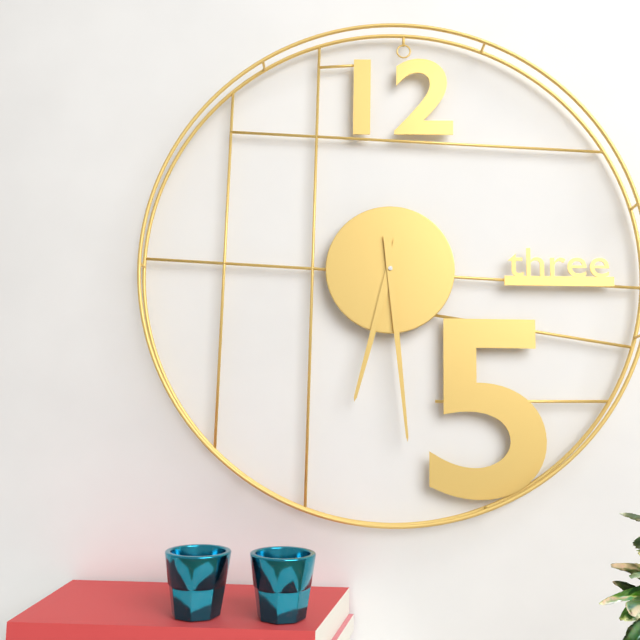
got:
6:29
